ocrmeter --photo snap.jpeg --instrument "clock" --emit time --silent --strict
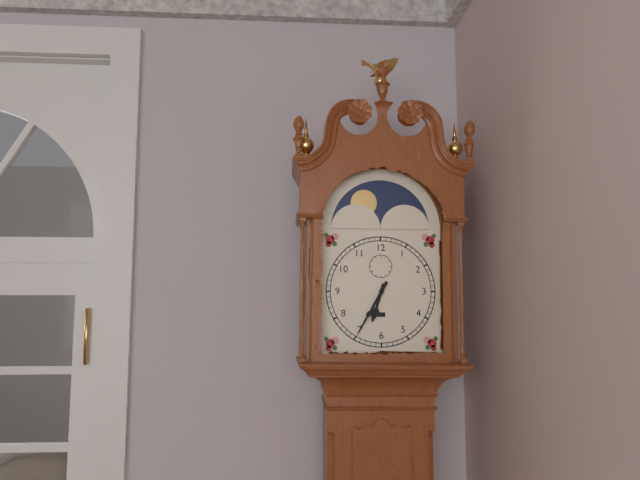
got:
6:35
